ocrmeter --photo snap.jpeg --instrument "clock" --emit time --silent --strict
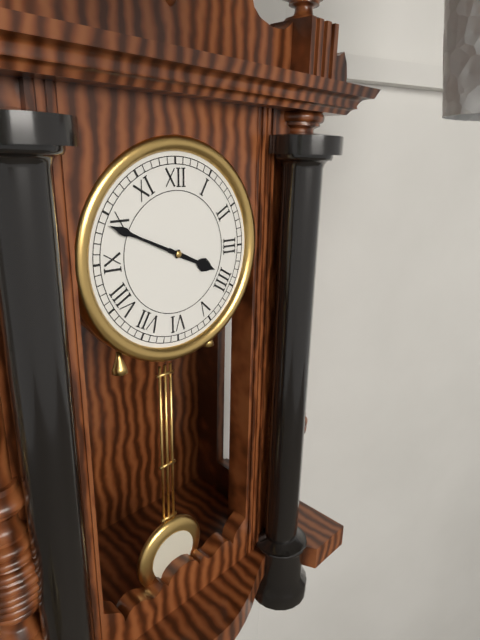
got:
3:49
